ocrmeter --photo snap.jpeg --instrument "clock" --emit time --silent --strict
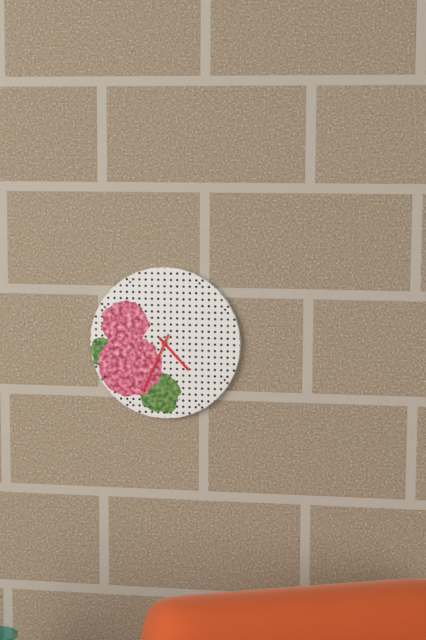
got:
4:34
